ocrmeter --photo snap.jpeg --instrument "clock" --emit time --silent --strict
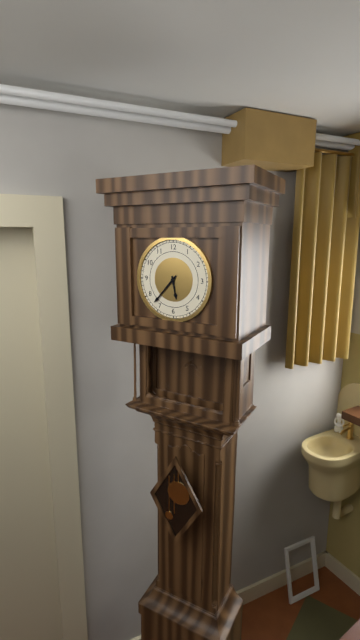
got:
5:37
